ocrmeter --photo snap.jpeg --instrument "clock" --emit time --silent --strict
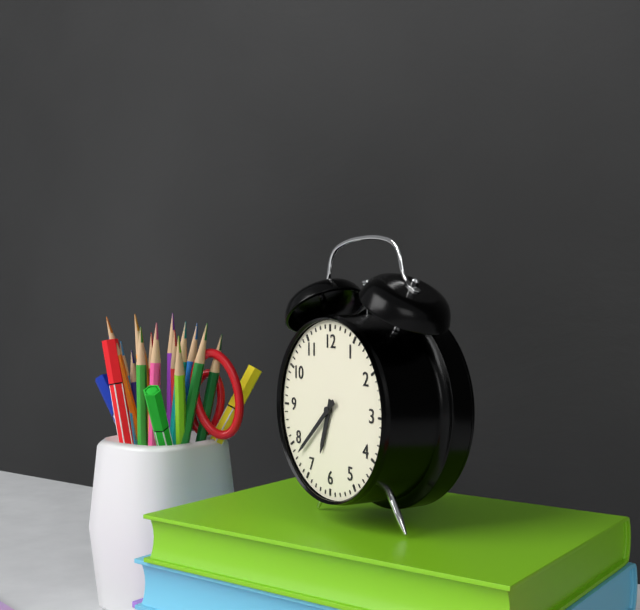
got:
6:38
